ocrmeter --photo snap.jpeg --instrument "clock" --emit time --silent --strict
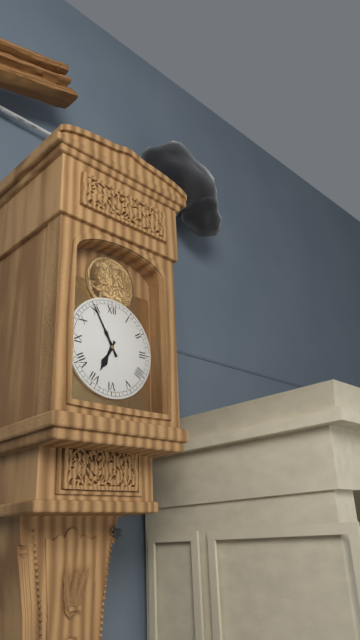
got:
6:55
